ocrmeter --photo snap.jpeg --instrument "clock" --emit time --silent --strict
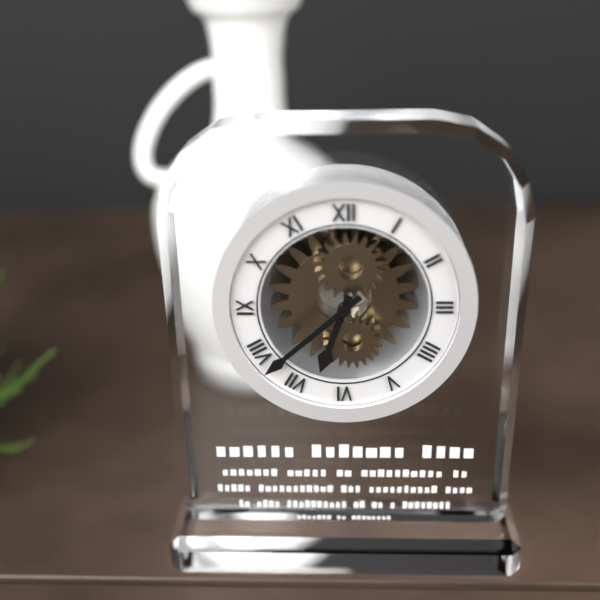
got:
6:38
